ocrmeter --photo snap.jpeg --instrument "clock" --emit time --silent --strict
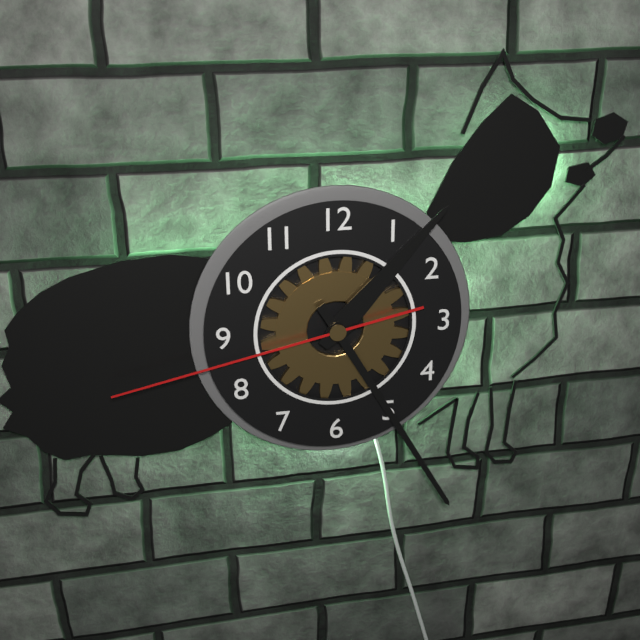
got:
1:25:43
